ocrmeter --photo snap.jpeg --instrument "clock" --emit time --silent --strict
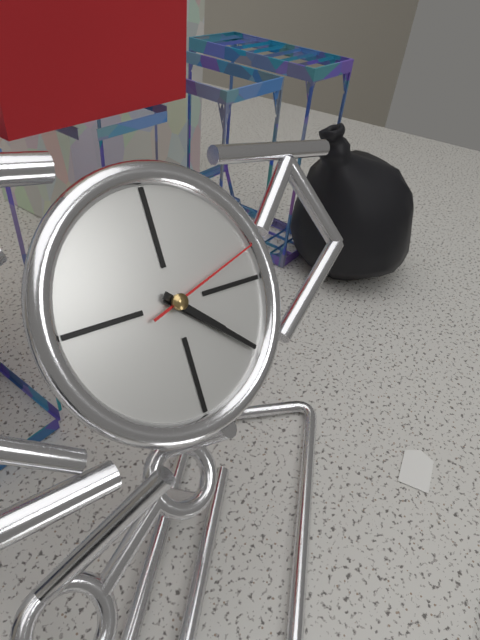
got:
4:22:12
